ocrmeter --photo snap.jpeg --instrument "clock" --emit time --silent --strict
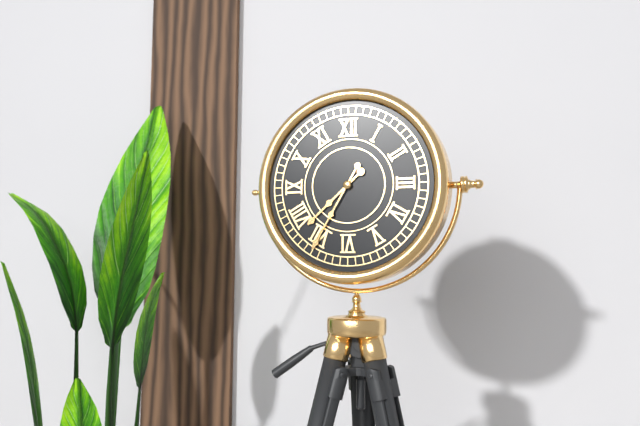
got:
7:35
